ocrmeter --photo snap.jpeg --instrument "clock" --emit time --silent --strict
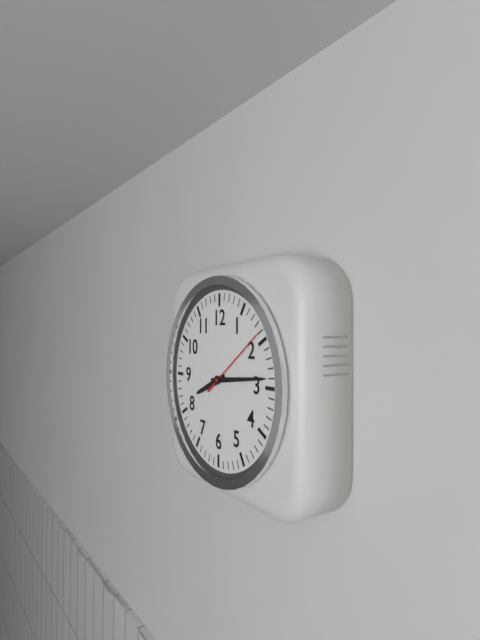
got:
8:14:09
